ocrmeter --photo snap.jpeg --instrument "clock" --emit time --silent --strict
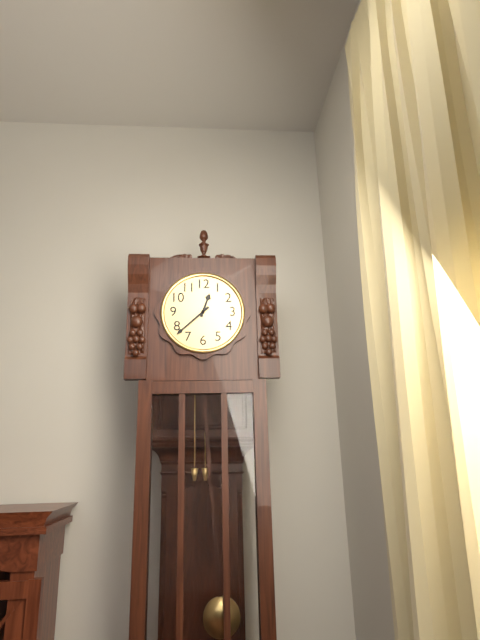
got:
12:38
